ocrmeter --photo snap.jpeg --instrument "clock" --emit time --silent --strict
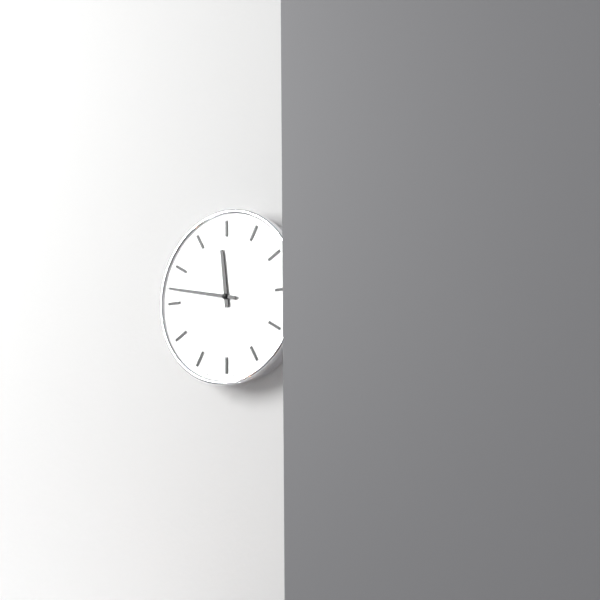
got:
11:47
